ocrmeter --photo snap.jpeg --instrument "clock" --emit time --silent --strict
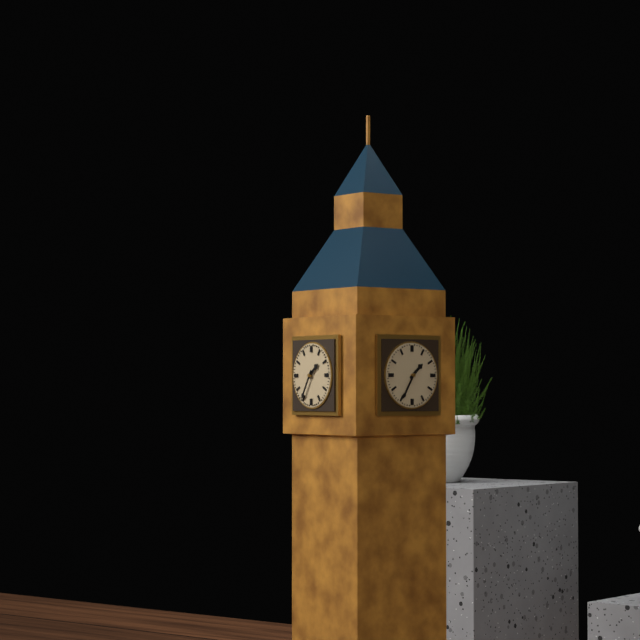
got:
1:35
